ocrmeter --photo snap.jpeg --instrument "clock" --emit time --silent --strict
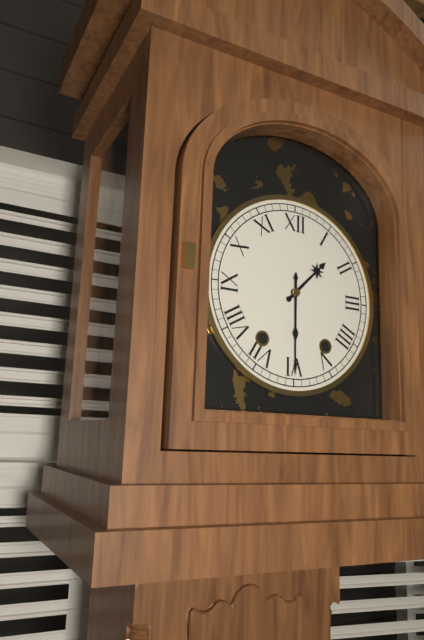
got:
1:30
